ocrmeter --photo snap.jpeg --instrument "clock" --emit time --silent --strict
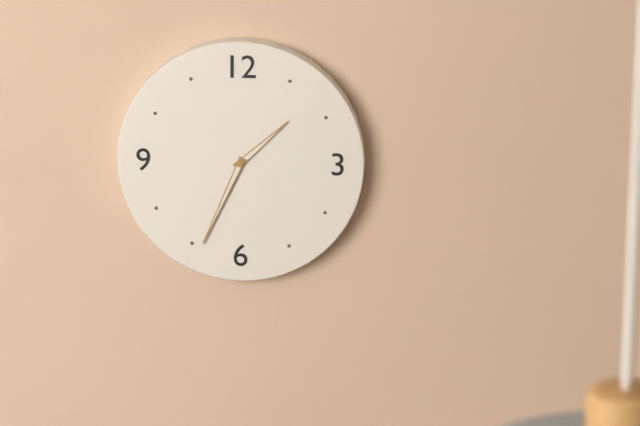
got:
1:34
